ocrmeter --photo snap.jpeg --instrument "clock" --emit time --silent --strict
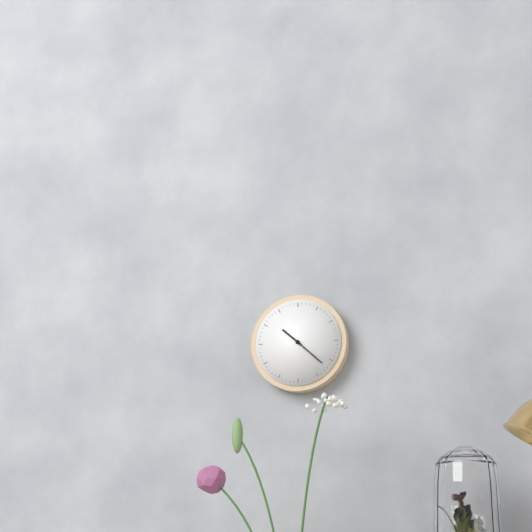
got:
10:22
